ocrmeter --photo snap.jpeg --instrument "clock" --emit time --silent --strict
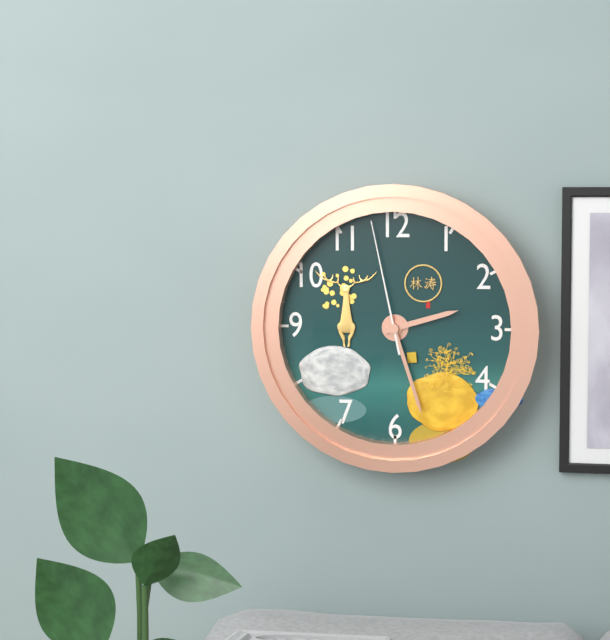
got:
2:27:58
